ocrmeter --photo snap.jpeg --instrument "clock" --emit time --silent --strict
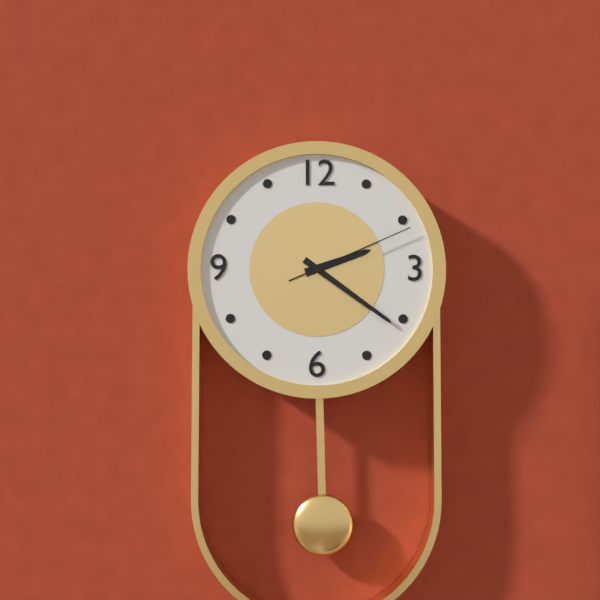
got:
2:21:11
